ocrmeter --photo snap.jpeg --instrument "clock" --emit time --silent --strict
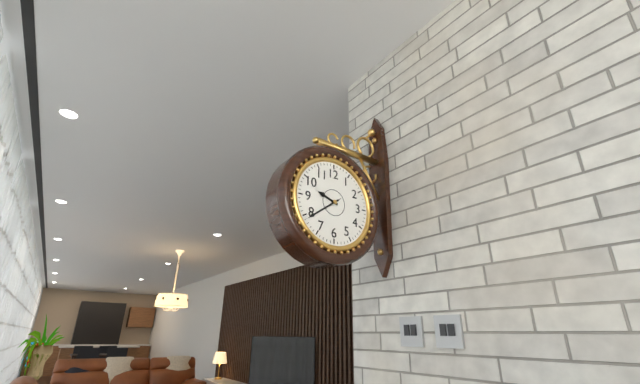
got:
9:39
